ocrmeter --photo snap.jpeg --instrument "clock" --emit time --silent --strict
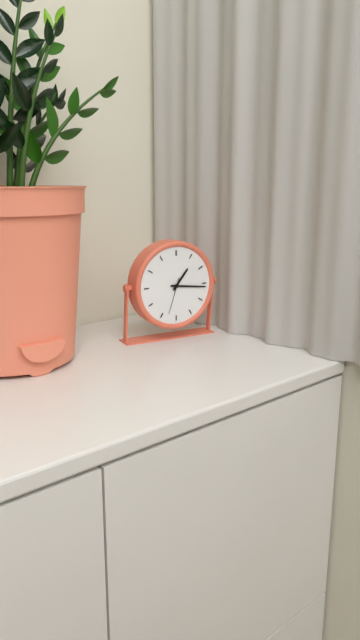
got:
1:16
